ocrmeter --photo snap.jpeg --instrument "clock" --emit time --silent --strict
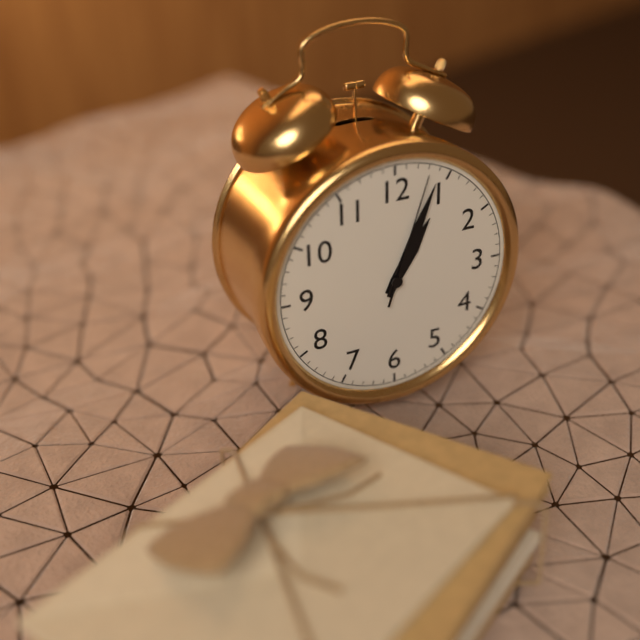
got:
1:04:03
